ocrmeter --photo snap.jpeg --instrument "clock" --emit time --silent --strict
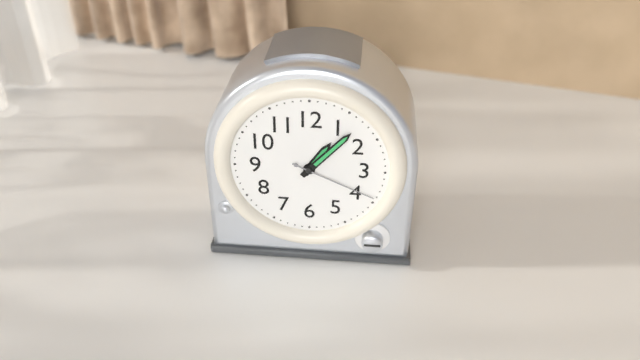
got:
1:07:19
